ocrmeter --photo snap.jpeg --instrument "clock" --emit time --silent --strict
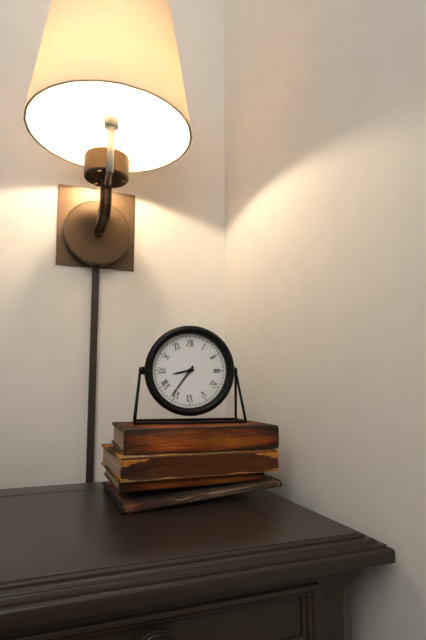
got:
8:36
